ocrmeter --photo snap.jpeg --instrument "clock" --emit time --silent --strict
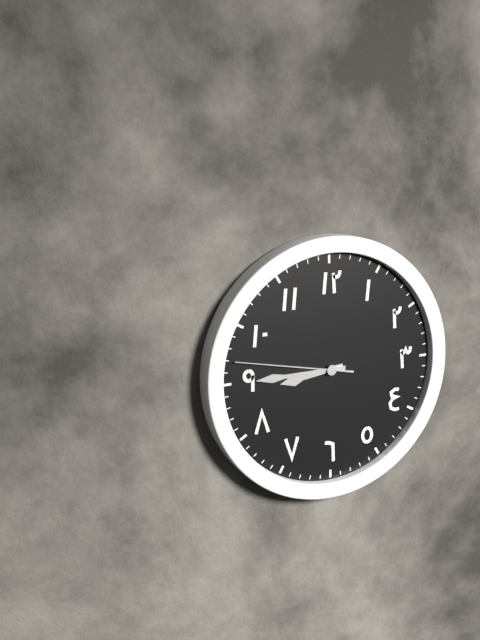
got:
8:45:47
